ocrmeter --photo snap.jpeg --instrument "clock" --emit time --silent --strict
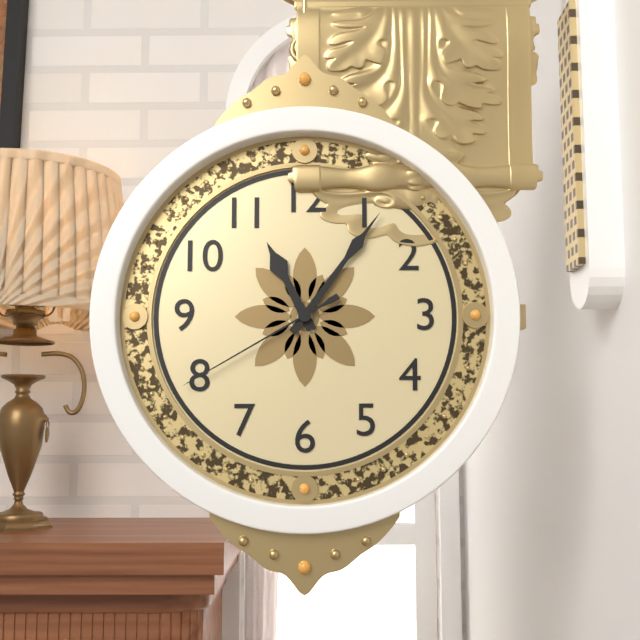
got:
11:06:40
